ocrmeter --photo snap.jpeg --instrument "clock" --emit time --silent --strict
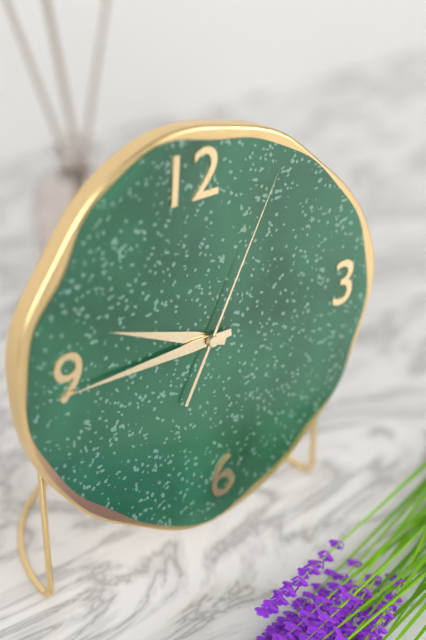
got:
9:45:05
